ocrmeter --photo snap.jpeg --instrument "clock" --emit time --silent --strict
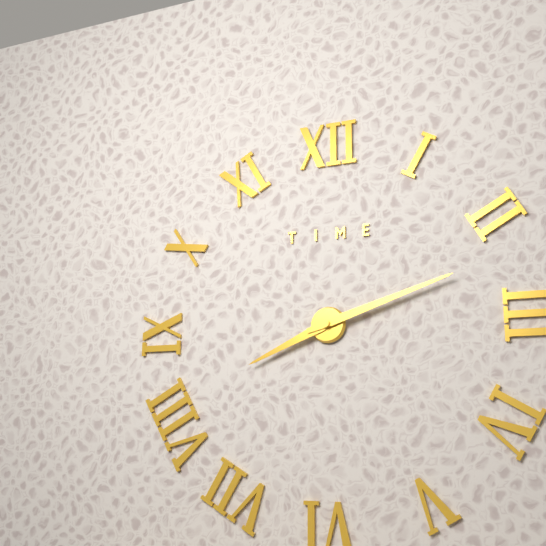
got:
8:12
